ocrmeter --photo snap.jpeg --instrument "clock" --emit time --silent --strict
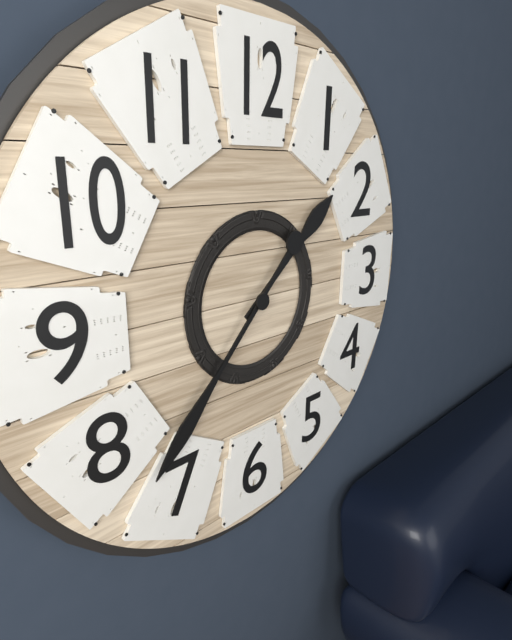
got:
1:37
